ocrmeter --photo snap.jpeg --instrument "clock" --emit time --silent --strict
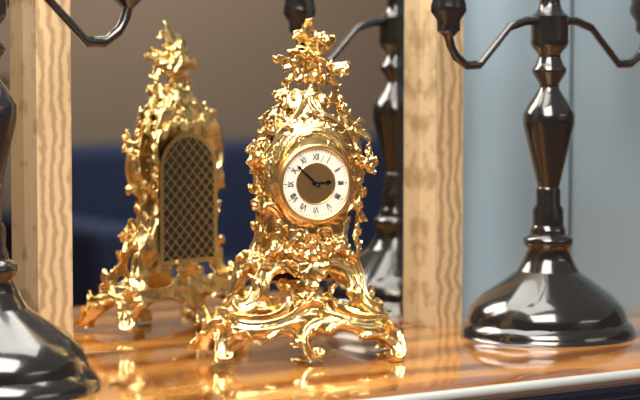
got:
2:52
